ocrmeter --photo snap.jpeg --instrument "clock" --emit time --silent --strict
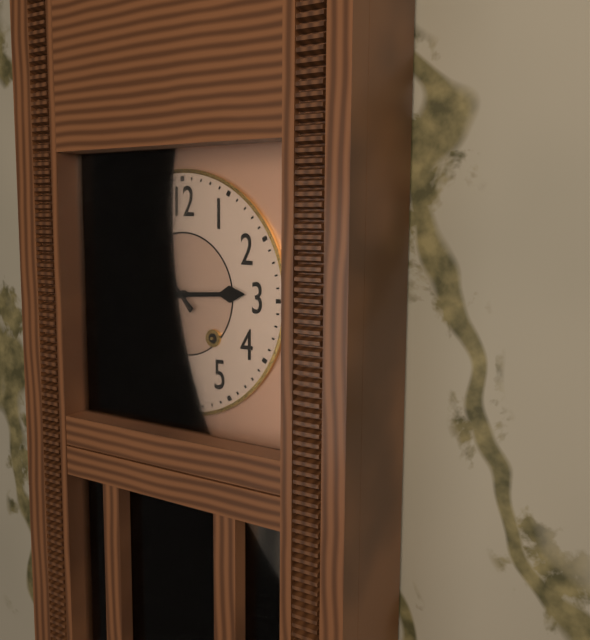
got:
2:53
